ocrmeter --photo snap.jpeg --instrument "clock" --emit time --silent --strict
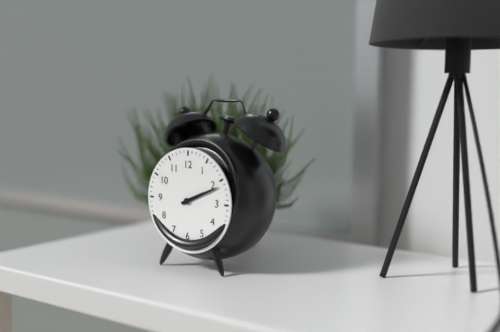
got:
2:11
